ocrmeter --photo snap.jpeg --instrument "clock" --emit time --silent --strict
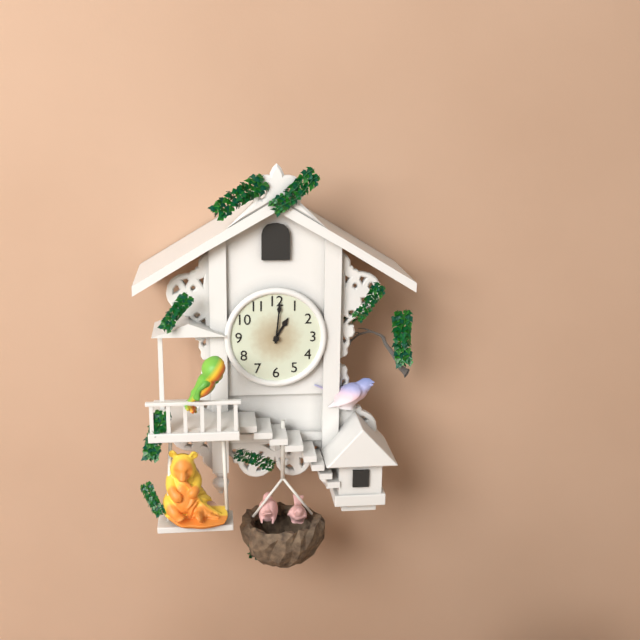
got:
1:01
